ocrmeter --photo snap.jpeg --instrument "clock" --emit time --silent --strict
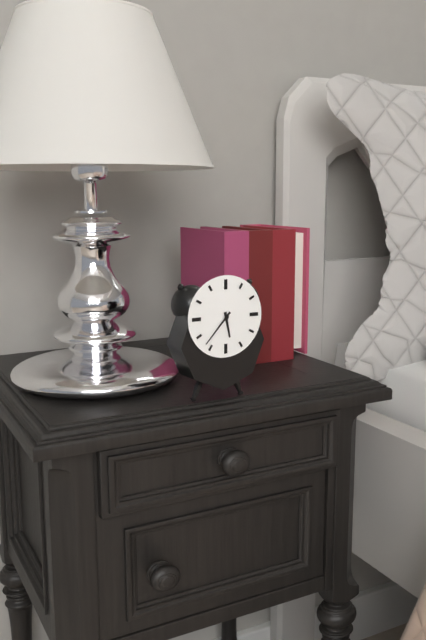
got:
5:37
